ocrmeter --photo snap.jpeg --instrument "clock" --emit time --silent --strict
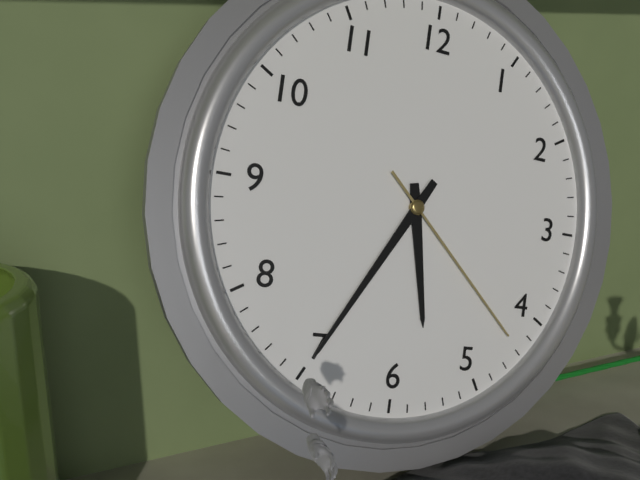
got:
5:35:22
